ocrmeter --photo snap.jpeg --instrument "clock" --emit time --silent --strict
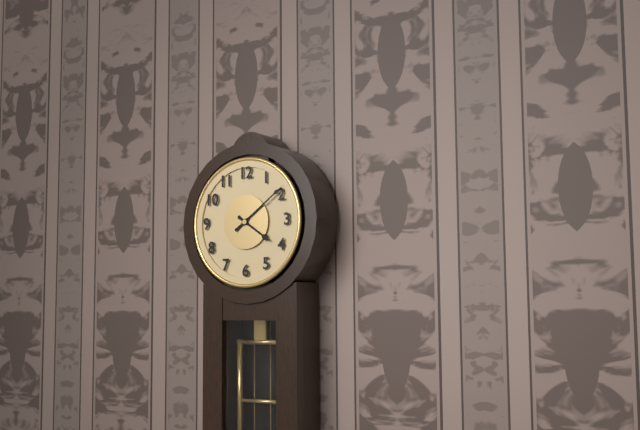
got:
4:09
